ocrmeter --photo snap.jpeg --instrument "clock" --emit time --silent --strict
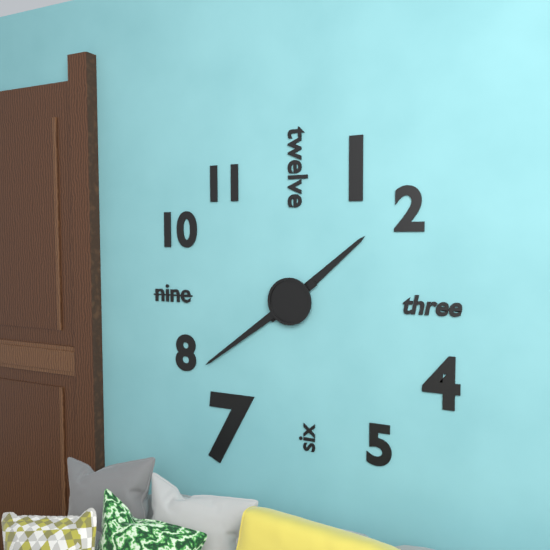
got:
1:39
